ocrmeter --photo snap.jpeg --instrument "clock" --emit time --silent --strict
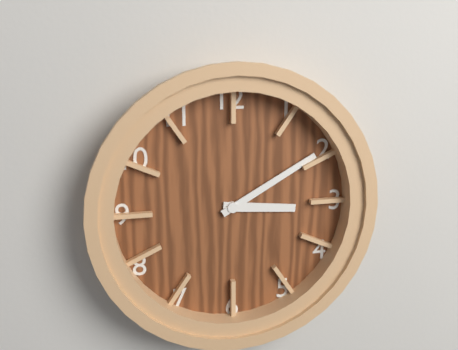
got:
3:10
